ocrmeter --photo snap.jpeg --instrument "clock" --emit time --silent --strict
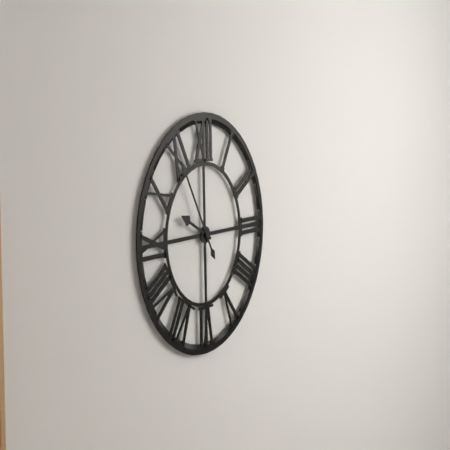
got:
9:55
